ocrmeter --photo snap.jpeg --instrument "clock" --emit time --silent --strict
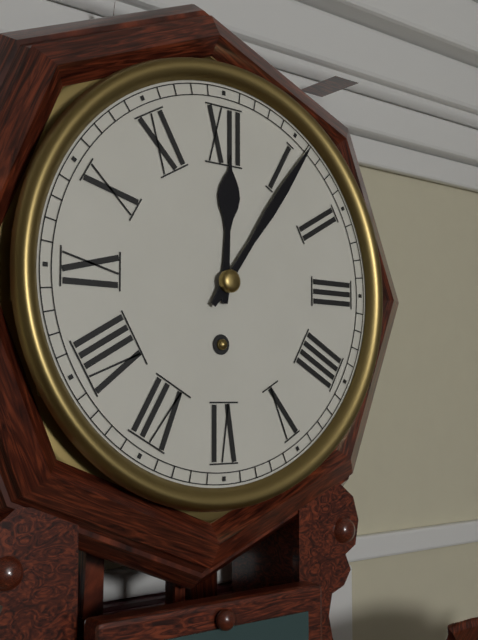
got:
12:06
